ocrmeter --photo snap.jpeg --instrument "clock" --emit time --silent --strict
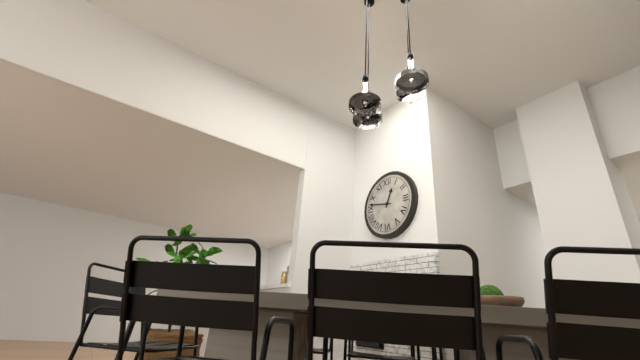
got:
12:47
